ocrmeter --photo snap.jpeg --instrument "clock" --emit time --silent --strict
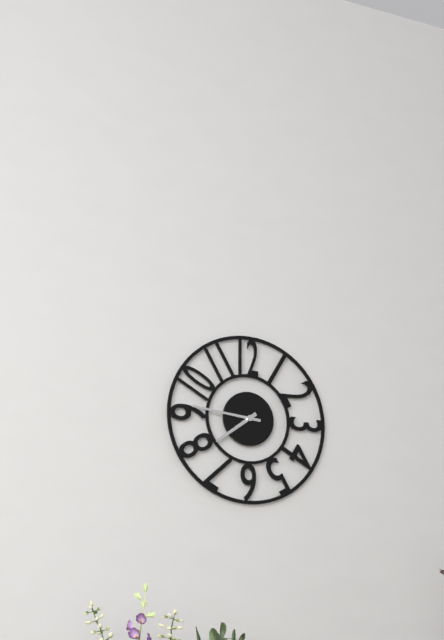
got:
7:46
